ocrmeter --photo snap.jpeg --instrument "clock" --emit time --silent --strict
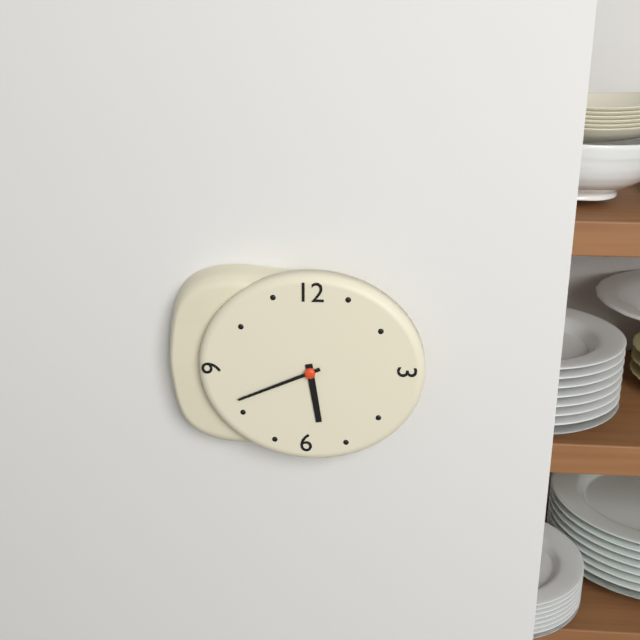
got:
5:41
